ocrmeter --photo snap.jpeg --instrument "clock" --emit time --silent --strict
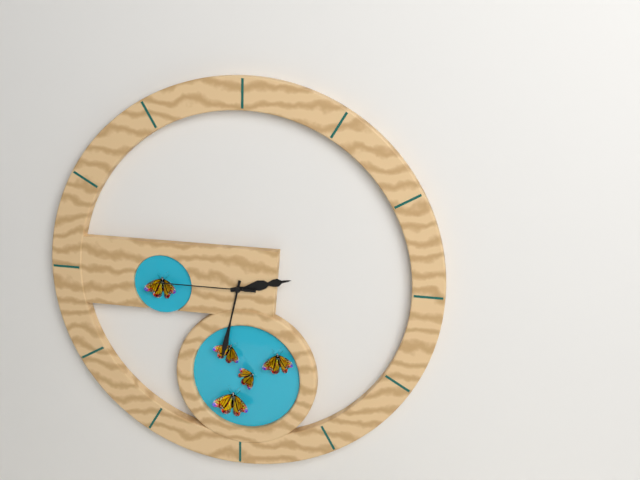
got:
2:32:45
